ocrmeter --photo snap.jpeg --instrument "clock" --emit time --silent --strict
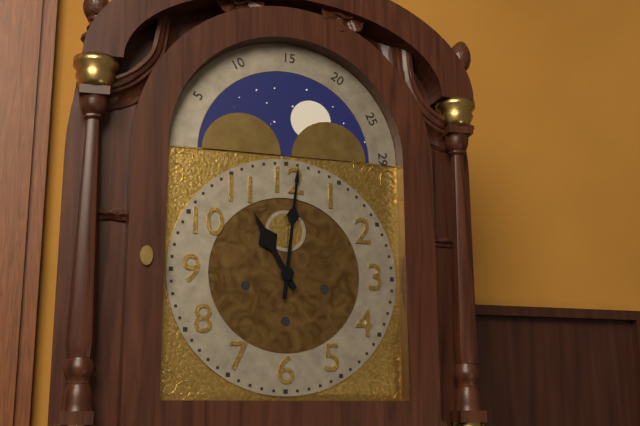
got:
11:01
